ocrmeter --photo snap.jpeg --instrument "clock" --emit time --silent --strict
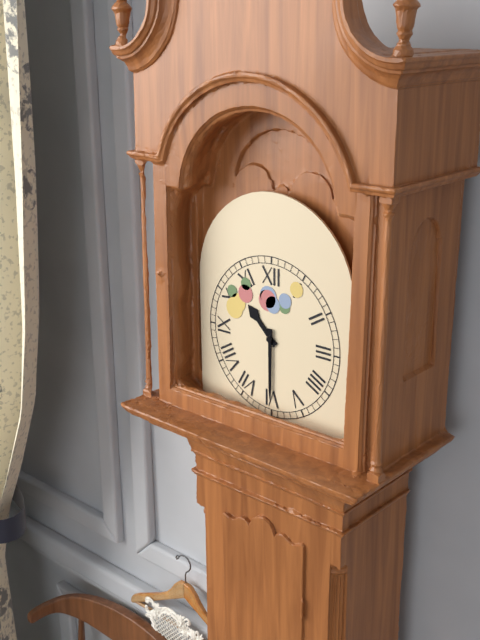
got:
10:30
